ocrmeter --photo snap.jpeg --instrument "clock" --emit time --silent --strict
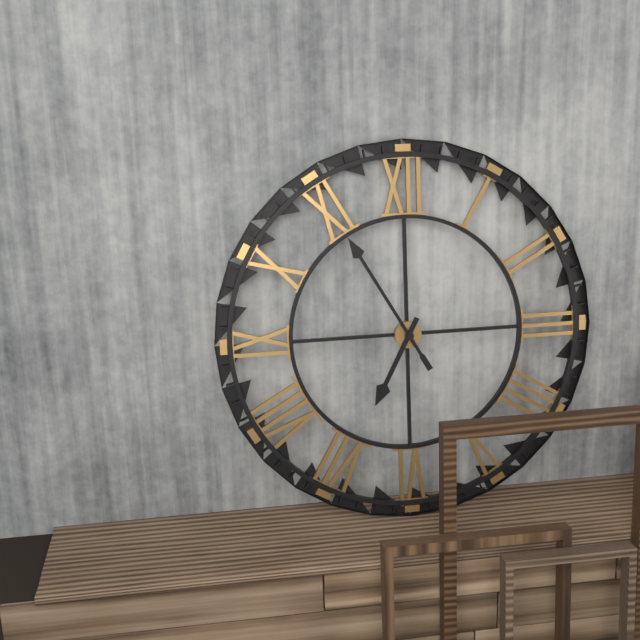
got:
6:55
